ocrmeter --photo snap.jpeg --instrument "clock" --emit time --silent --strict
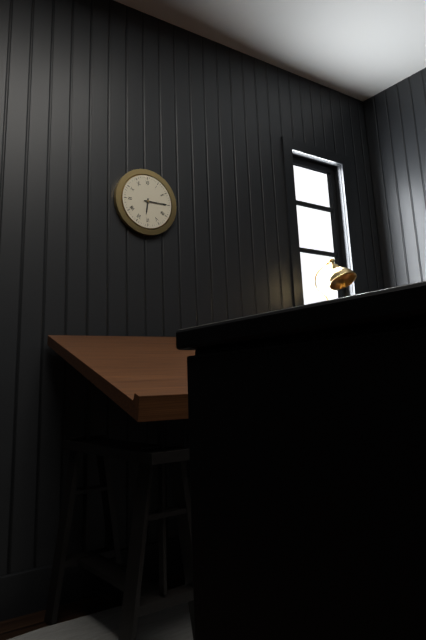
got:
6:15
